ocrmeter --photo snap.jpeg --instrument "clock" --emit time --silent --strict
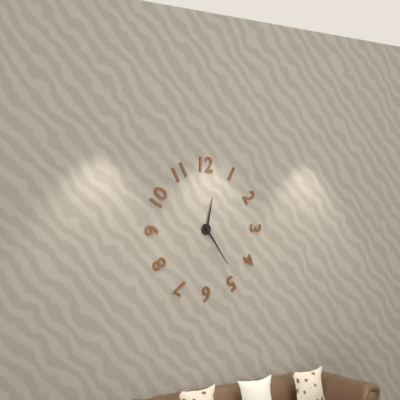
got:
12:24
